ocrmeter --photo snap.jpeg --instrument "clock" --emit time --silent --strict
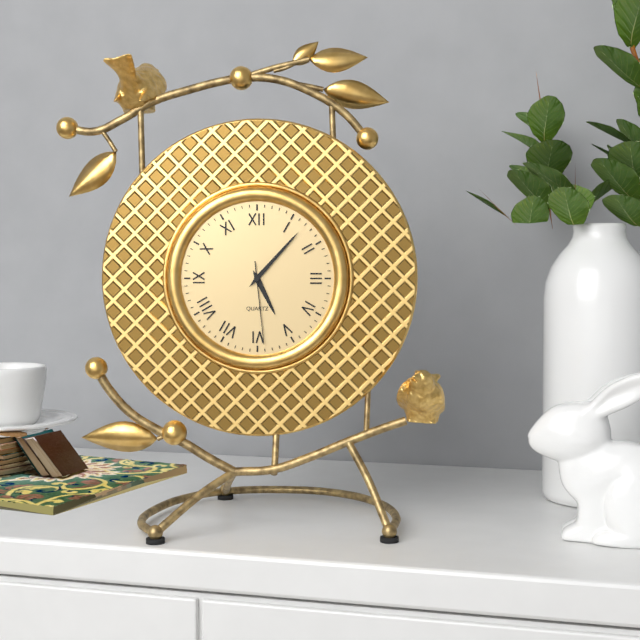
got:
5:07:29
